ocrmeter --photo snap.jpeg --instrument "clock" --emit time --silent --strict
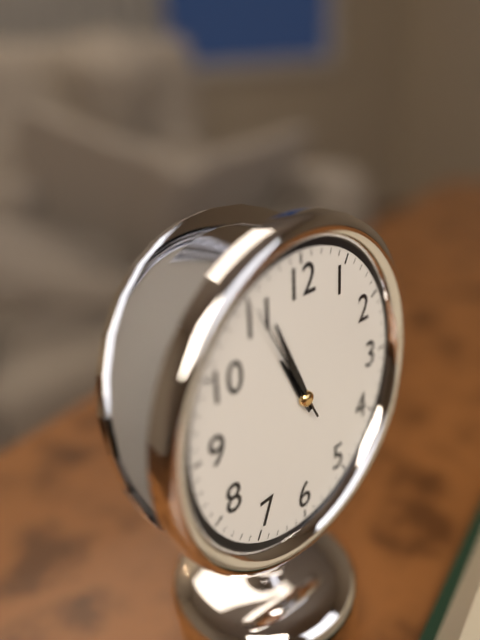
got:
10:56:55
